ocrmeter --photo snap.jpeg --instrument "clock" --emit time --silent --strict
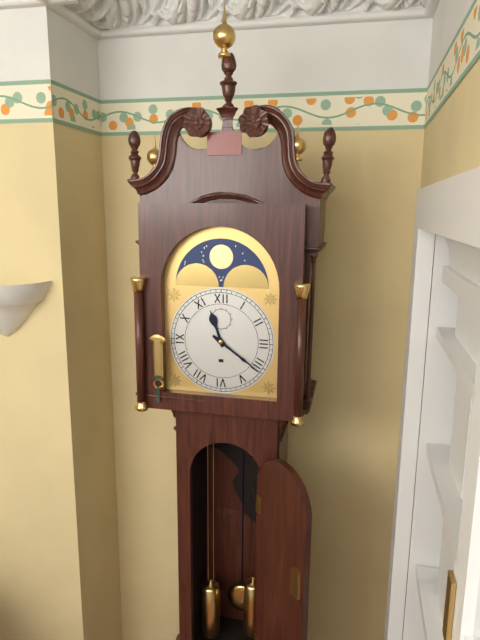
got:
11:21
